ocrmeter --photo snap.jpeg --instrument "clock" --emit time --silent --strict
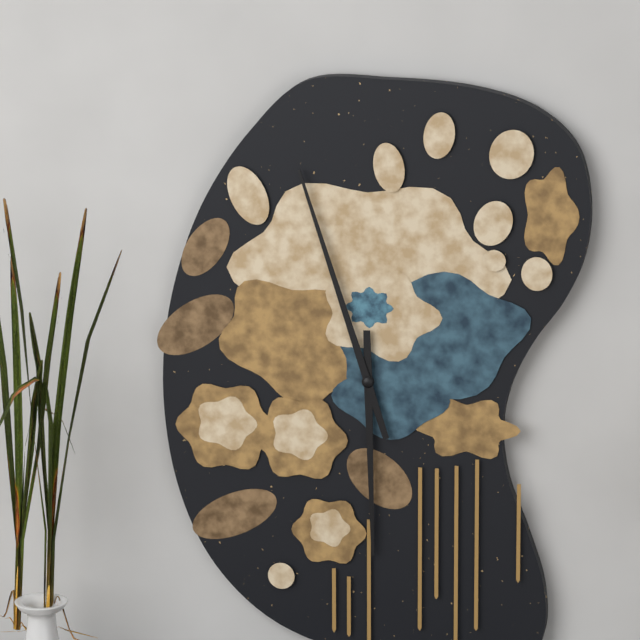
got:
5:57
